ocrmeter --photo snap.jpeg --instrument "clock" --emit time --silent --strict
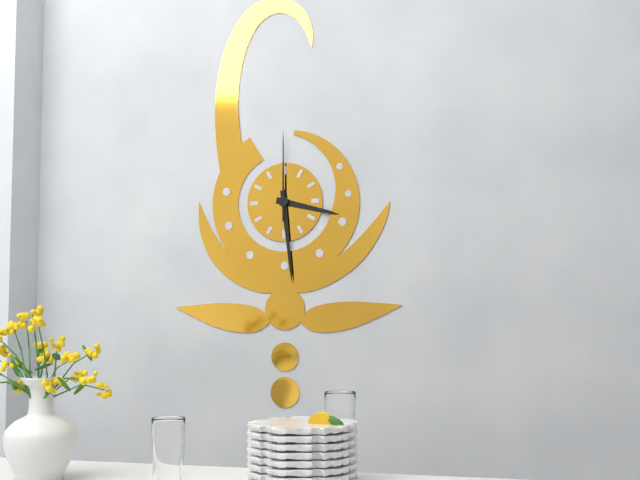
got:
3:29:00
